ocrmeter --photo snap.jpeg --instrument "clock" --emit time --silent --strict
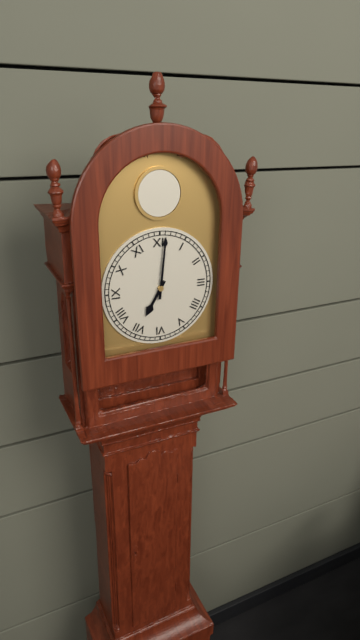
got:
7:01
